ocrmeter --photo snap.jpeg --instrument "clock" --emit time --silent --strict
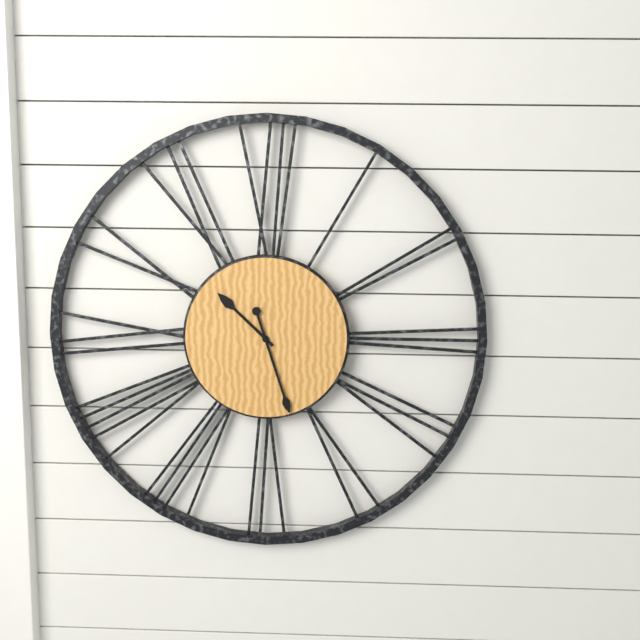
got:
10:27
